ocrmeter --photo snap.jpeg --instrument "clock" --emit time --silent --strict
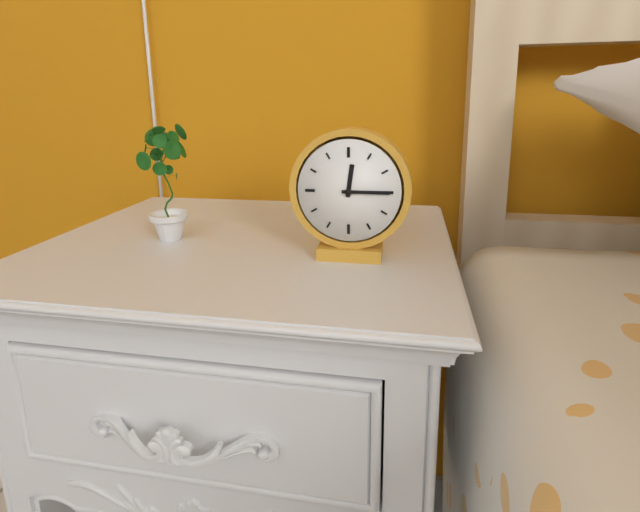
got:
12:15
